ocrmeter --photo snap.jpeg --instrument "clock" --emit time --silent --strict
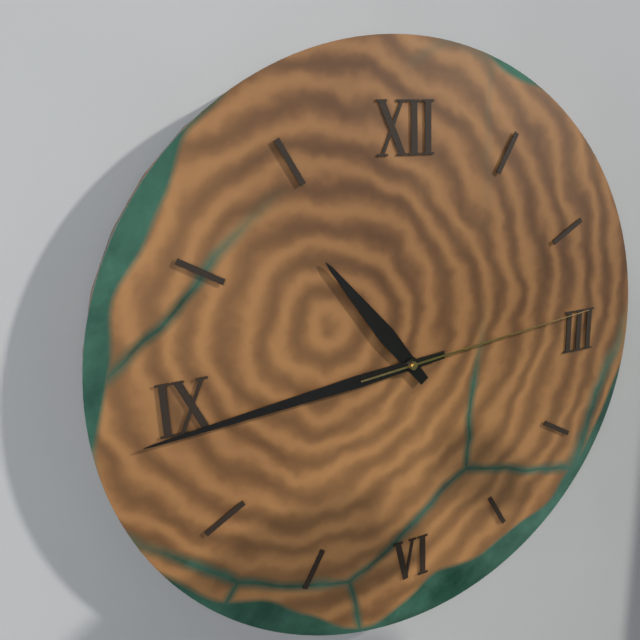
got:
10:44:14
